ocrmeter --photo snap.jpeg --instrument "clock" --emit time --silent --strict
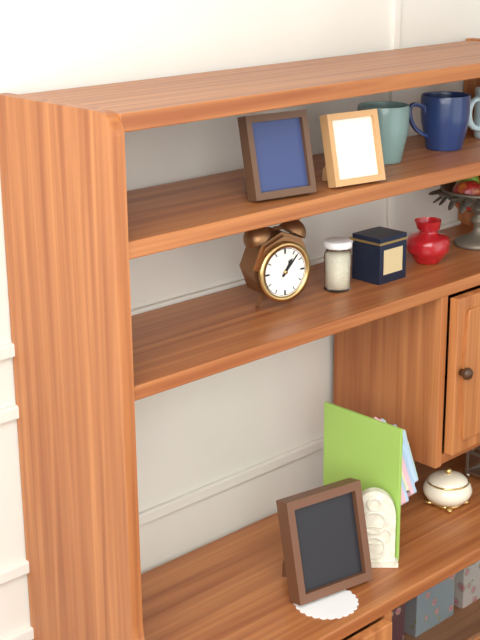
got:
1:07
